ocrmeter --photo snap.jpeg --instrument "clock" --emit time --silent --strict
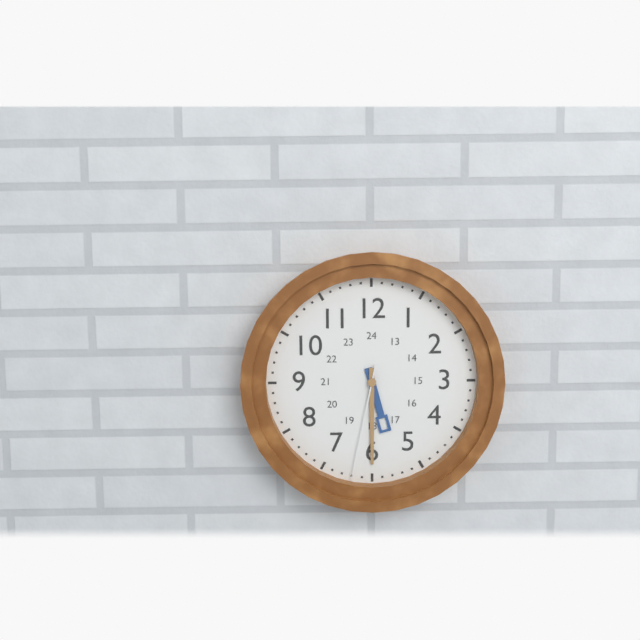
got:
5:30:32
